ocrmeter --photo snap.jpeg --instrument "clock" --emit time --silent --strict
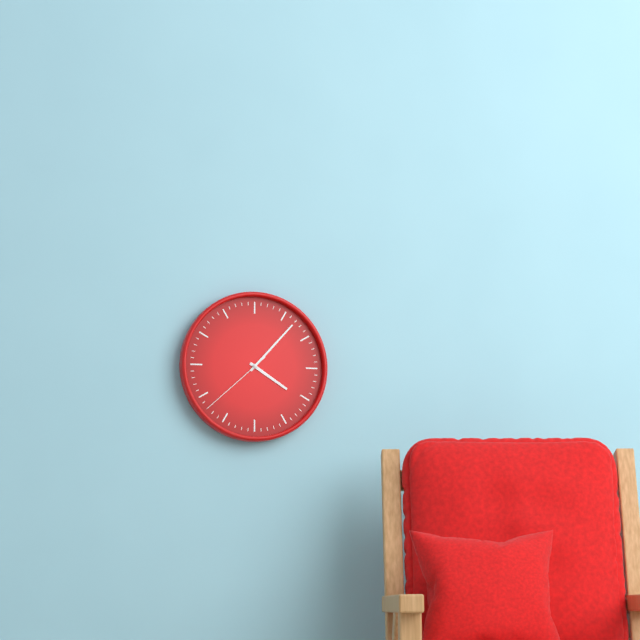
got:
4:07:38
